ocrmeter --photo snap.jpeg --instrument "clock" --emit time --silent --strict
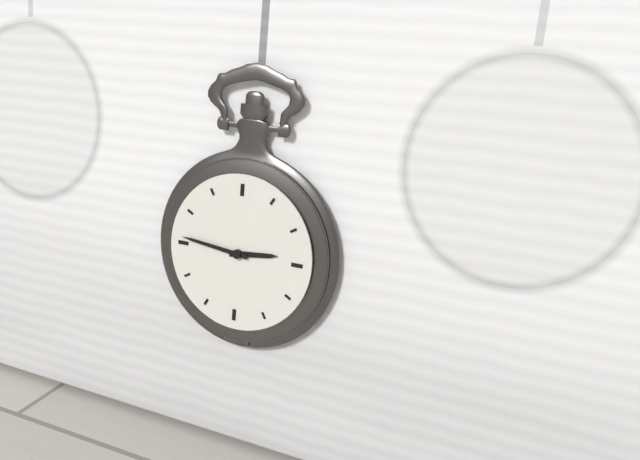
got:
2:46
